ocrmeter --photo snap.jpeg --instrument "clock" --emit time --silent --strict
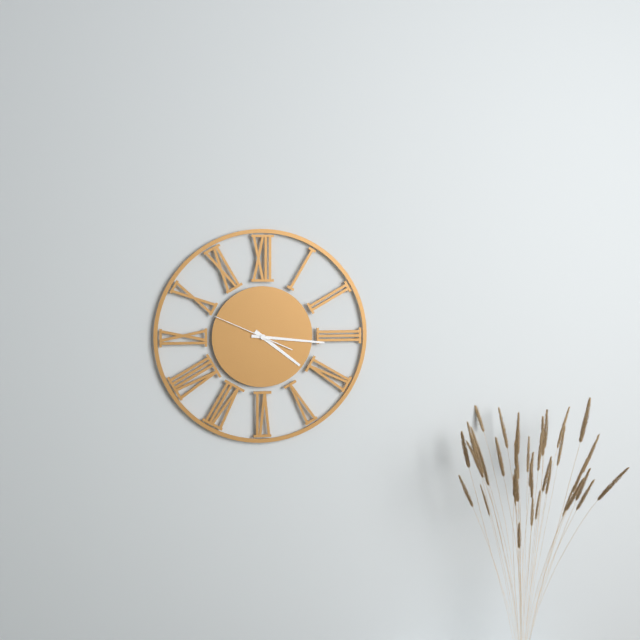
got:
4:16:49
